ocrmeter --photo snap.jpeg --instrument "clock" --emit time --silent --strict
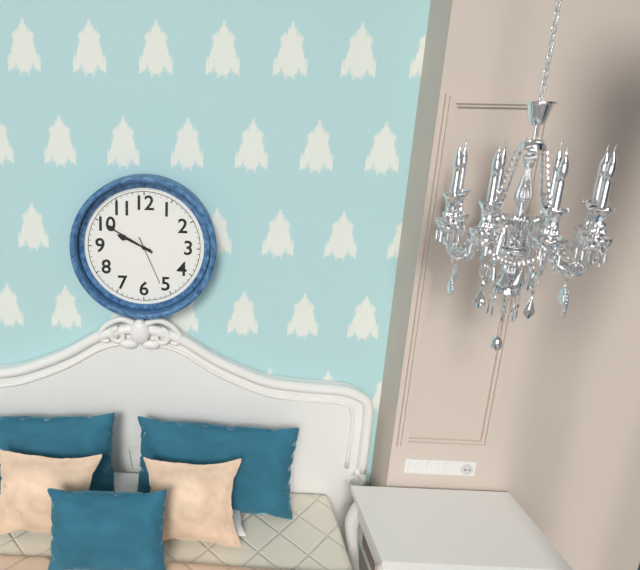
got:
9:50
